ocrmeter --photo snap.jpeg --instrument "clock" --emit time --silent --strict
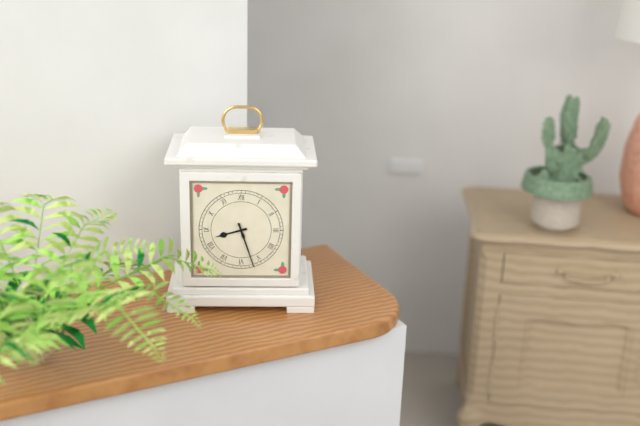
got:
8:27
